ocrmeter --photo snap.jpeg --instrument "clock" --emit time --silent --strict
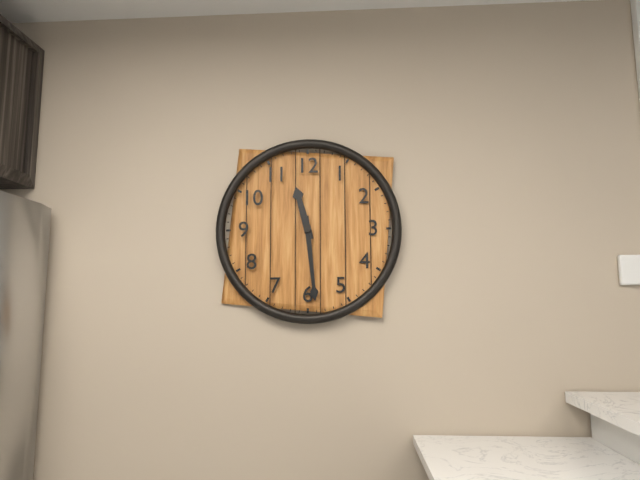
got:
11:29
